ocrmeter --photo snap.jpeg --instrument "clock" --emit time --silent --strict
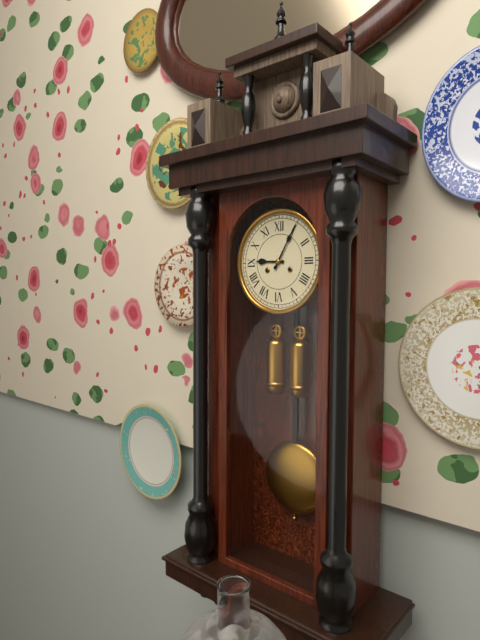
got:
9:05
